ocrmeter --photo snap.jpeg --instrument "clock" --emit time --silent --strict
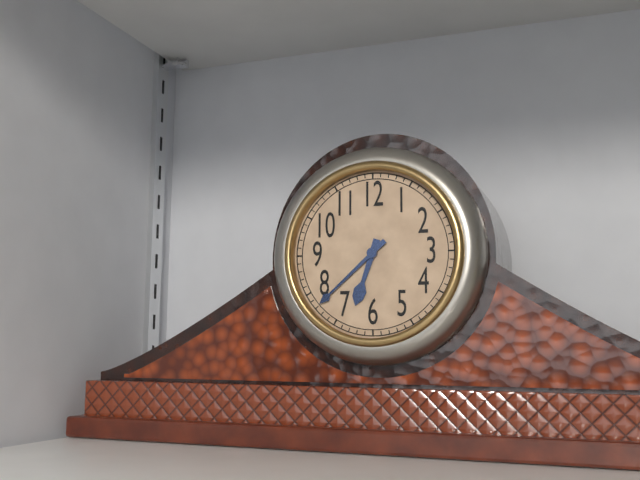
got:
6:38
